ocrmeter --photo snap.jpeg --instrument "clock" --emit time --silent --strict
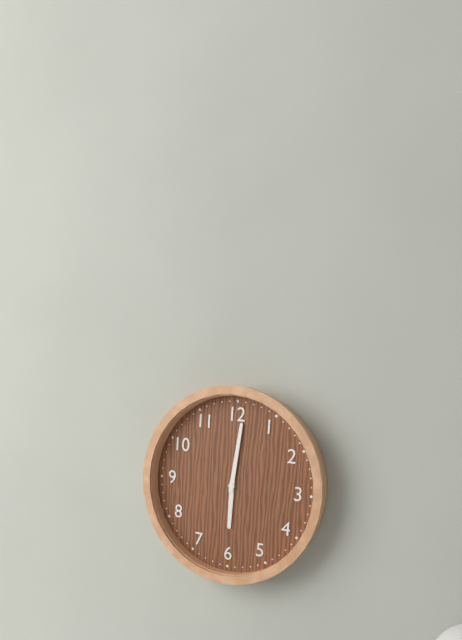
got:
6:01
